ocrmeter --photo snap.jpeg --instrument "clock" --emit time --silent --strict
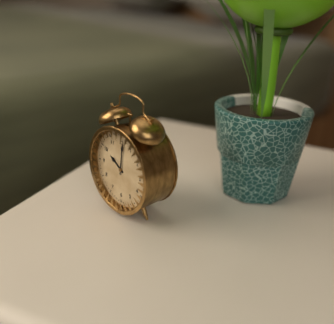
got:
10:01
